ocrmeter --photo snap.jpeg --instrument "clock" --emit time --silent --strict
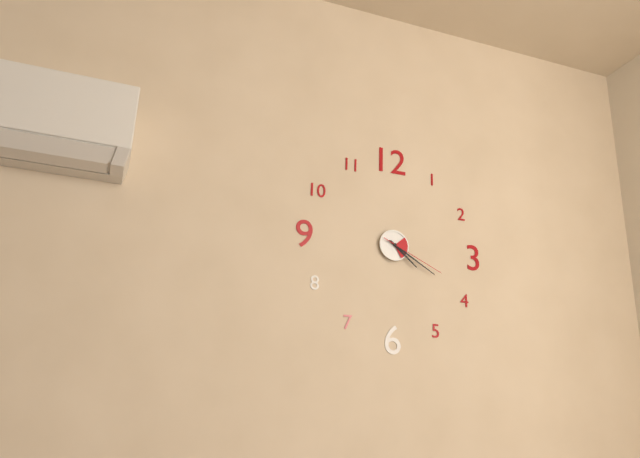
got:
4:20:19
